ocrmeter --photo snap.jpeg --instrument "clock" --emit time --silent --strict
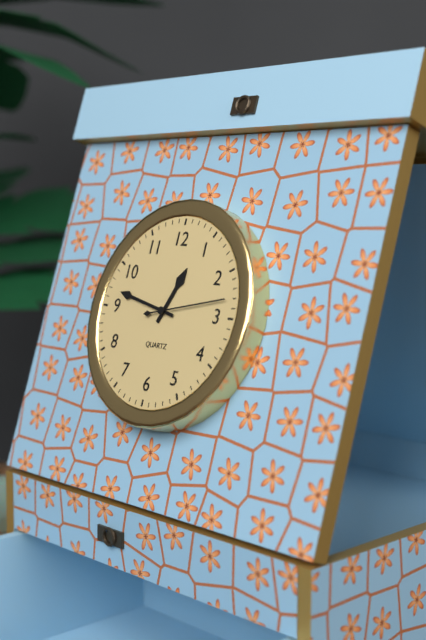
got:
12:47:13
